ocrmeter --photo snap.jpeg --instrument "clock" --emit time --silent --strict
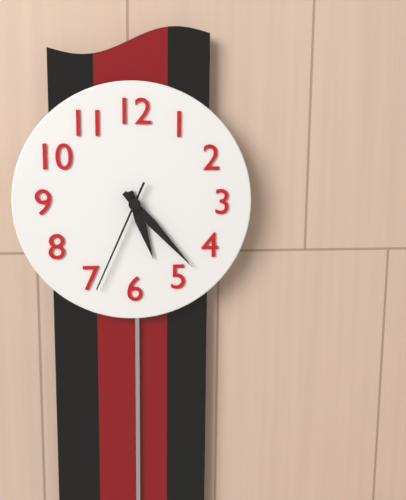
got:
5:23:34
